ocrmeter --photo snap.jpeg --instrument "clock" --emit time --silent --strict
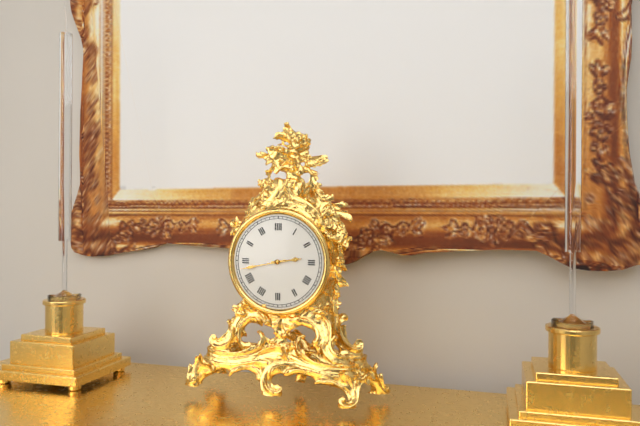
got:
2:43
